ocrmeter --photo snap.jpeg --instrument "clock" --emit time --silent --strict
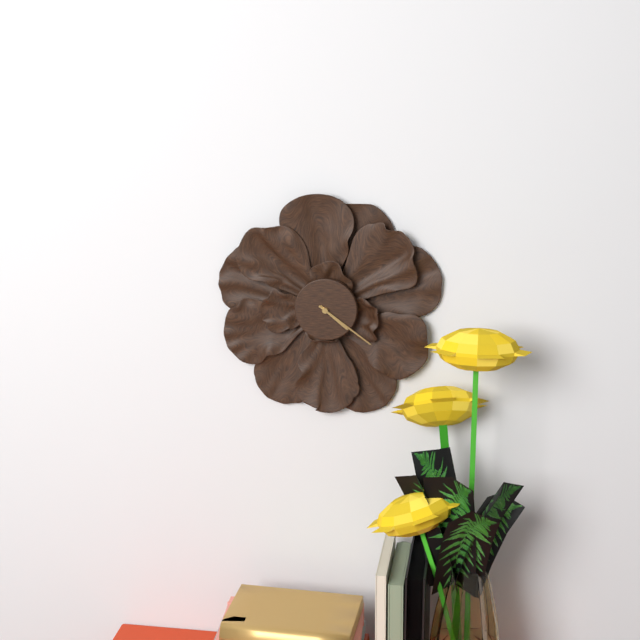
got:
4:21
